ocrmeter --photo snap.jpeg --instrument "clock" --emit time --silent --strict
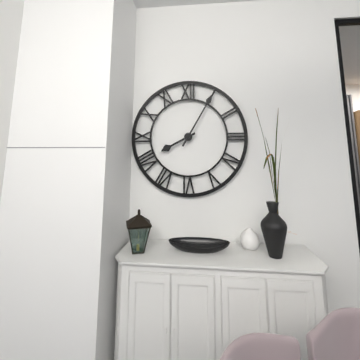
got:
8:05
